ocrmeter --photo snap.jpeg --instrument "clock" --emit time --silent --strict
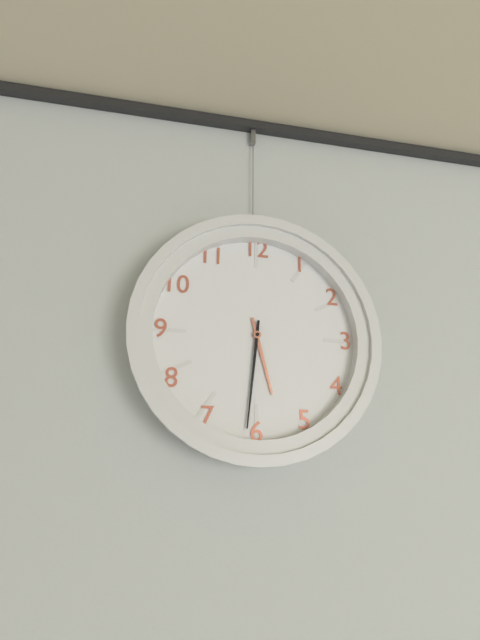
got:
5:31
